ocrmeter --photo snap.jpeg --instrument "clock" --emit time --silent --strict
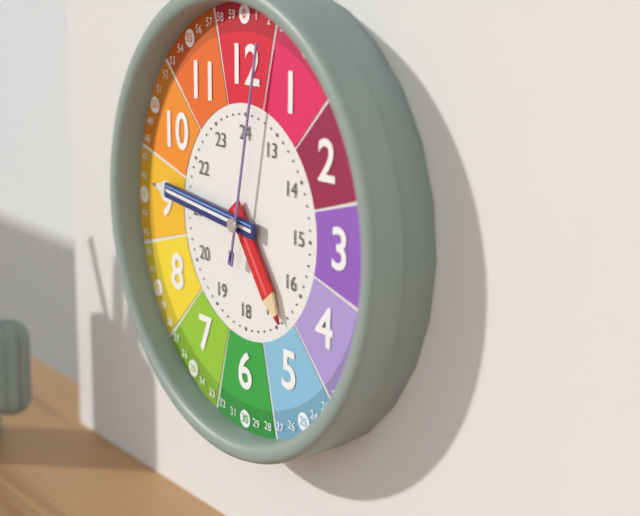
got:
4:46:02
